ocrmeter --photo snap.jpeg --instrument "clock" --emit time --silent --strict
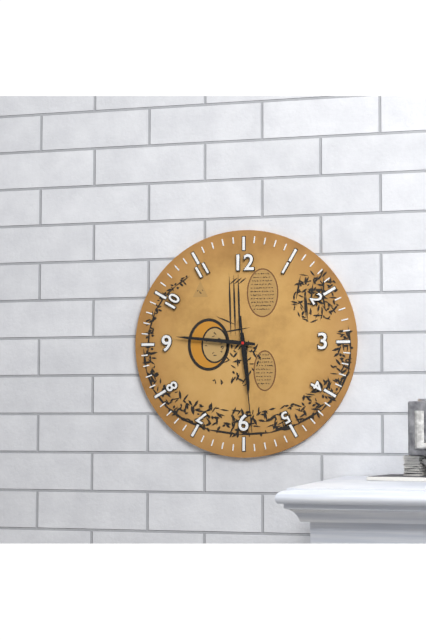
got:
5:46:29
